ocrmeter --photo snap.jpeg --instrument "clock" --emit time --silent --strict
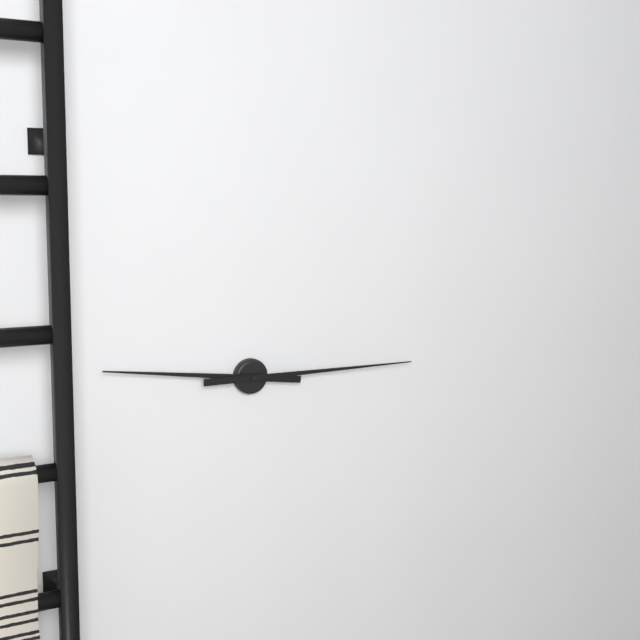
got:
9:15
